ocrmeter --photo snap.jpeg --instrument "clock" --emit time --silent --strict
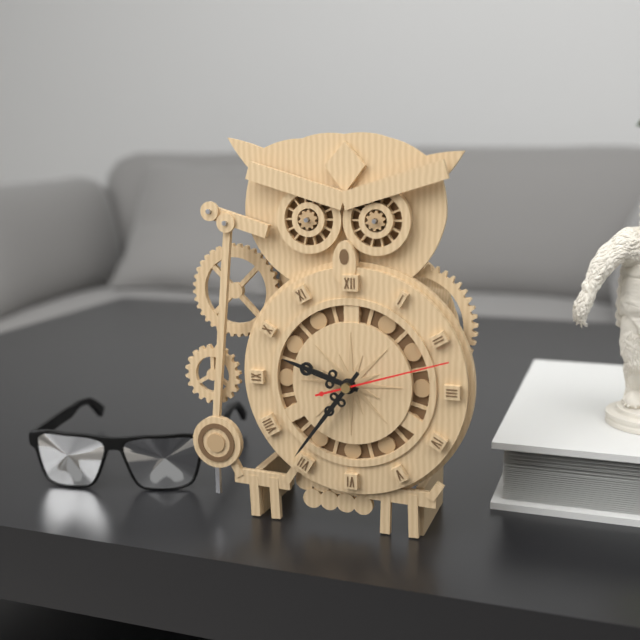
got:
9:36:12
